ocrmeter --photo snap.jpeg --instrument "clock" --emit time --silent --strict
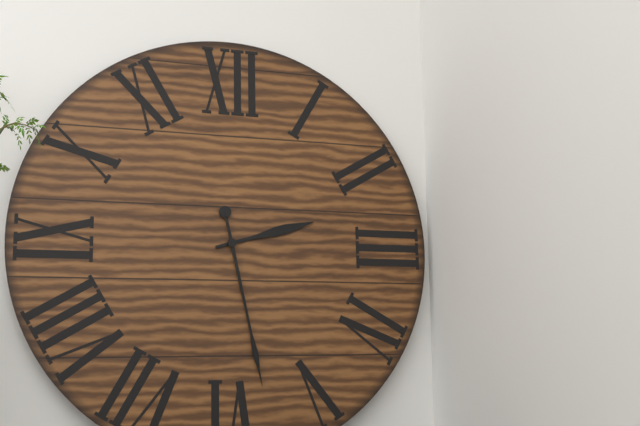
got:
2:28
